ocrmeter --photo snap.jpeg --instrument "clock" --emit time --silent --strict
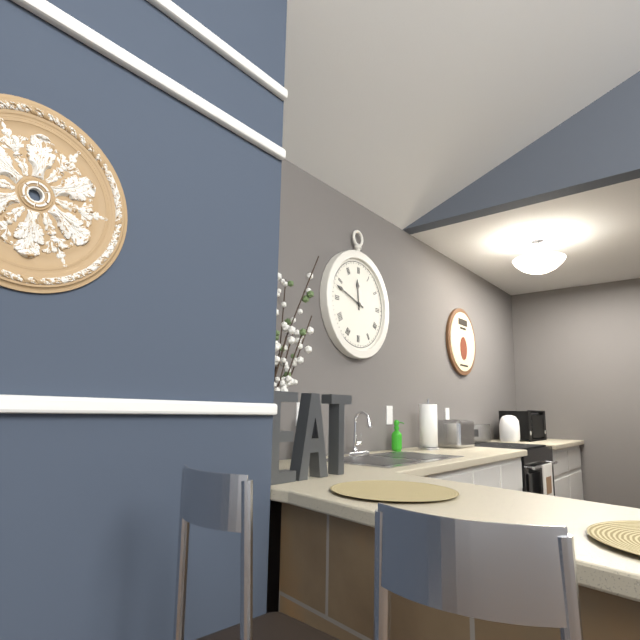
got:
11:48
